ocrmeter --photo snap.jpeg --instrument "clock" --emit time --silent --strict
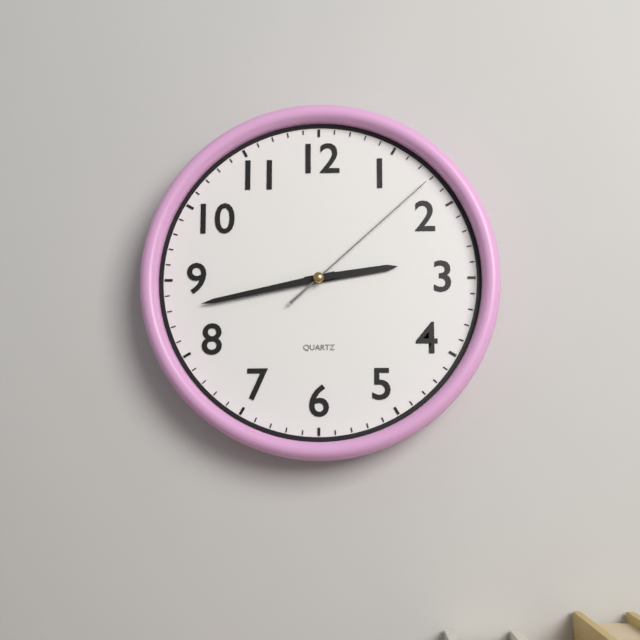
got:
2:43:08
